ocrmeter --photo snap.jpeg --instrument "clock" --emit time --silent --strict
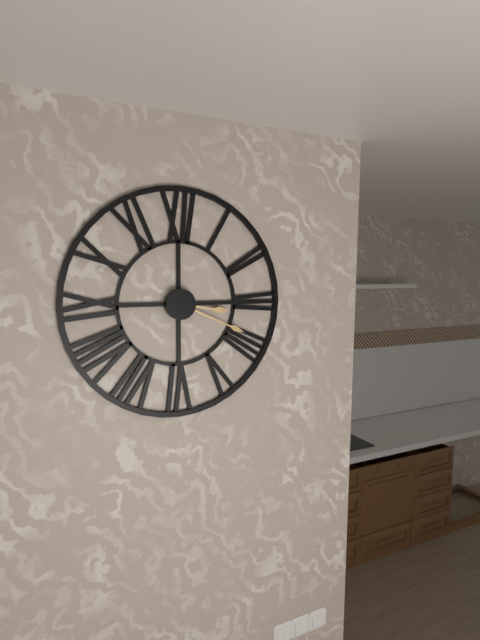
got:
3:19
